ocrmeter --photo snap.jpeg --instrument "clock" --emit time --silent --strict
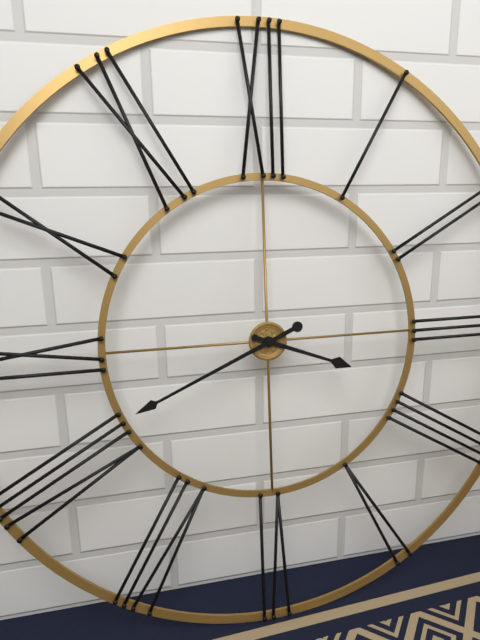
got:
3:41
